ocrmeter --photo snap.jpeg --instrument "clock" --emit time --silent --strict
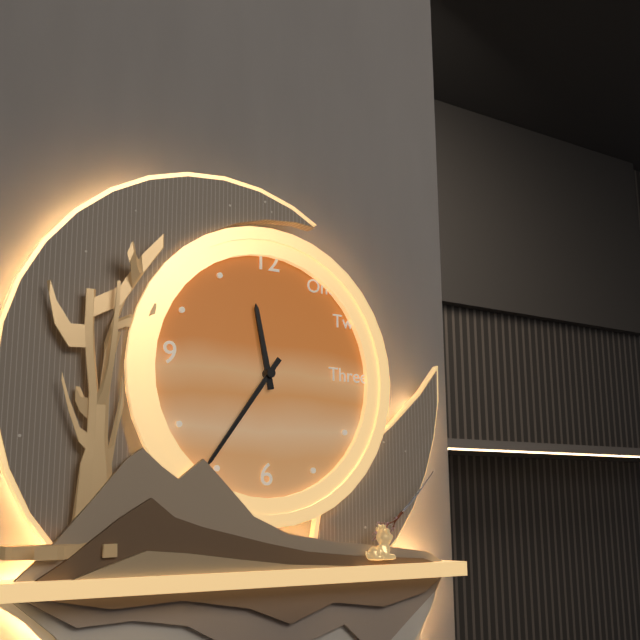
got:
11:36
